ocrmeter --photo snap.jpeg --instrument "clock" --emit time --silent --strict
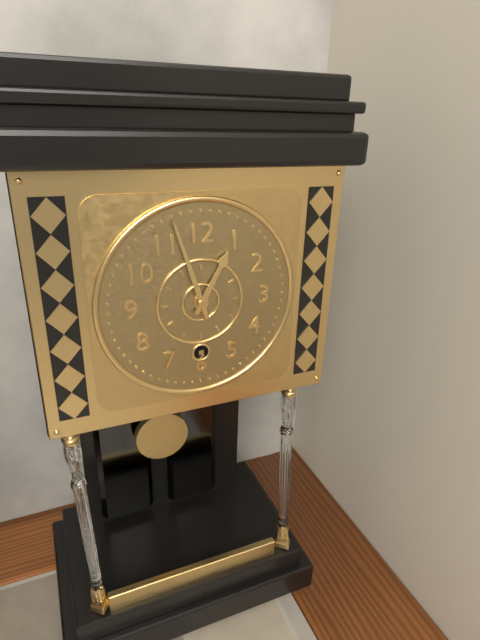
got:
12:57
